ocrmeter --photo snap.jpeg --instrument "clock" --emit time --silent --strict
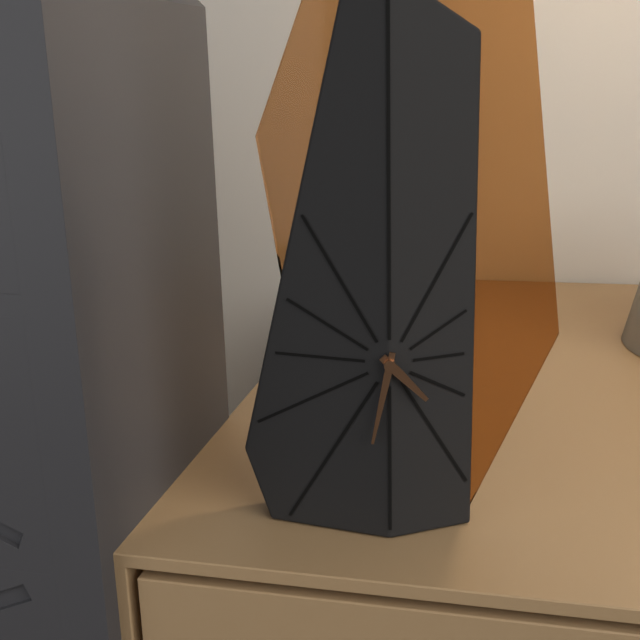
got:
4:32
